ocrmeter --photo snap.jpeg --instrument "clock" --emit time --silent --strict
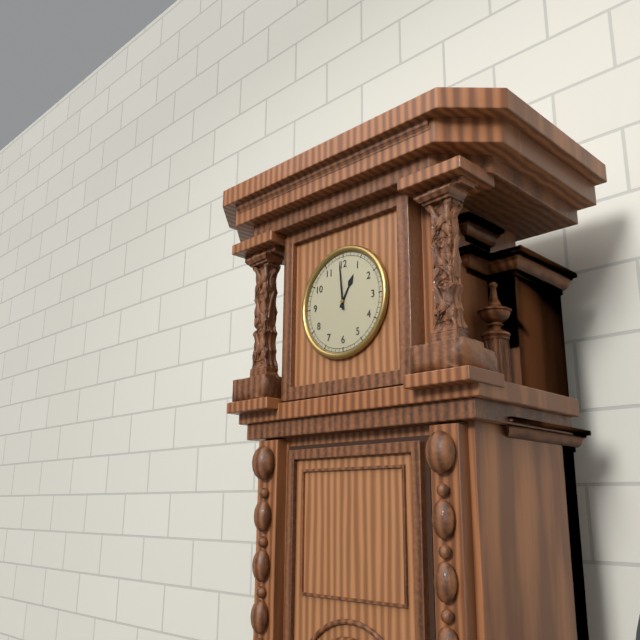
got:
12:59
